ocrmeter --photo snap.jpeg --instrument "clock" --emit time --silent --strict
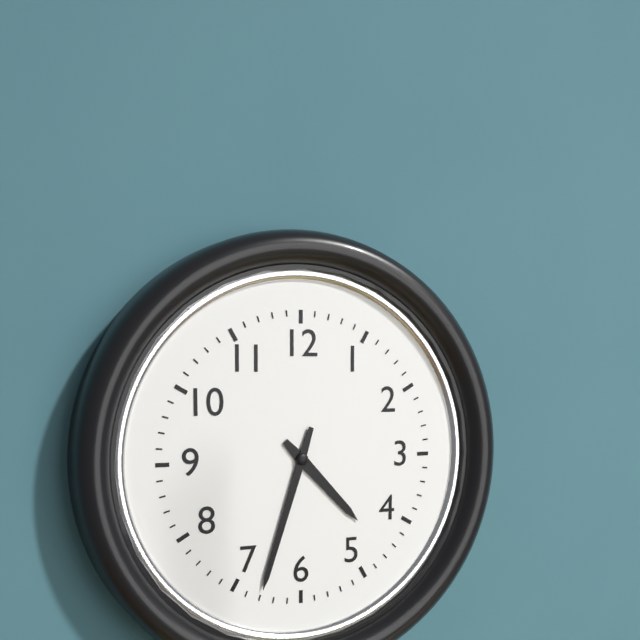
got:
4:33
